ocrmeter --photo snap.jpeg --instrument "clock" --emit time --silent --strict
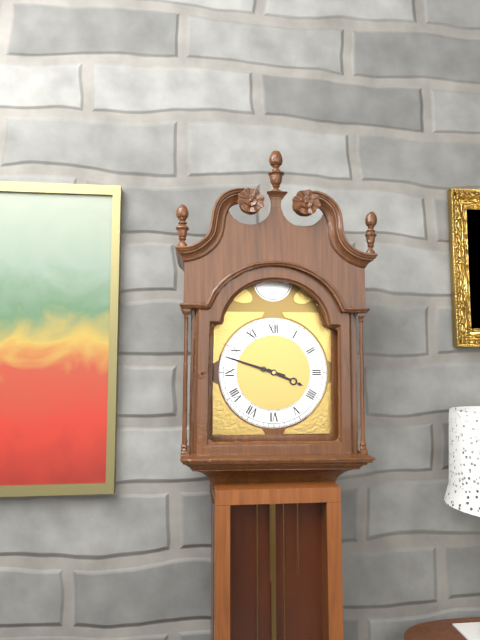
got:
3:48
